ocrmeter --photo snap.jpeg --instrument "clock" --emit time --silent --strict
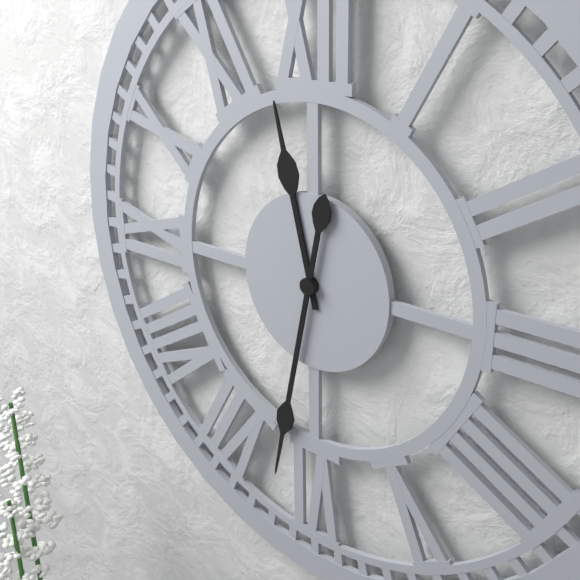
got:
11:32
